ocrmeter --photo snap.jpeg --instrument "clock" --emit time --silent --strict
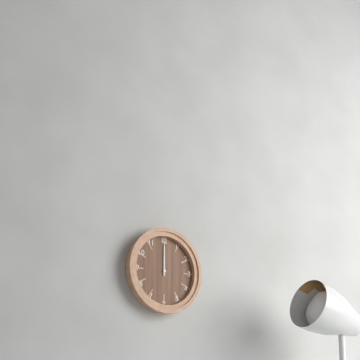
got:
12:00
